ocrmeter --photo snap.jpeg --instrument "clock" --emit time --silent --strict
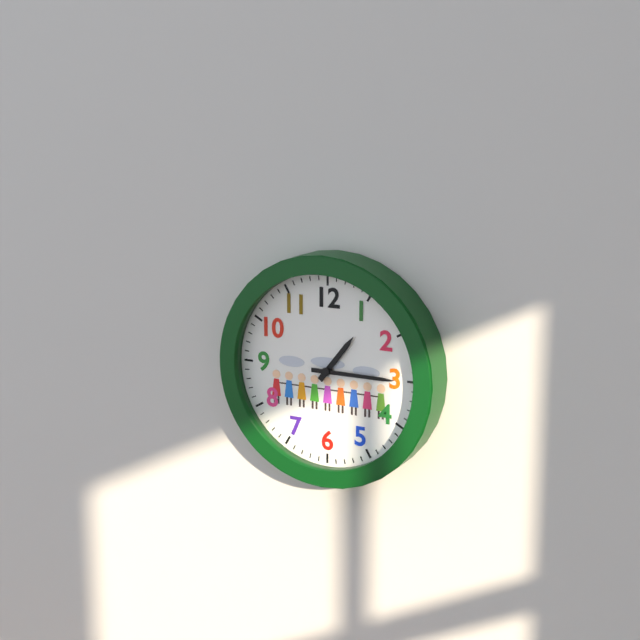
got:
1:15
